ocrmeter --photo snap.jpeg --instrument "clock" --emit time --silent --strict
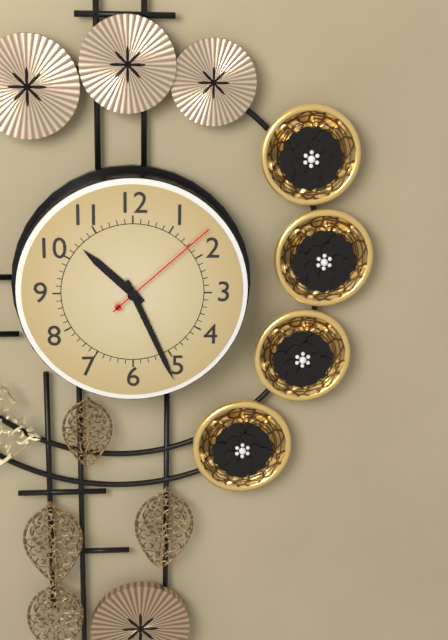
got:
10:26:08
